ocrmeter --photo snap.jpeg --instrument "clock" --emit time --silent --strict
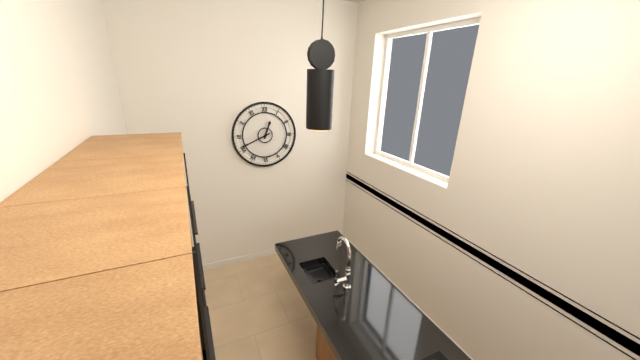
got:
12:41
